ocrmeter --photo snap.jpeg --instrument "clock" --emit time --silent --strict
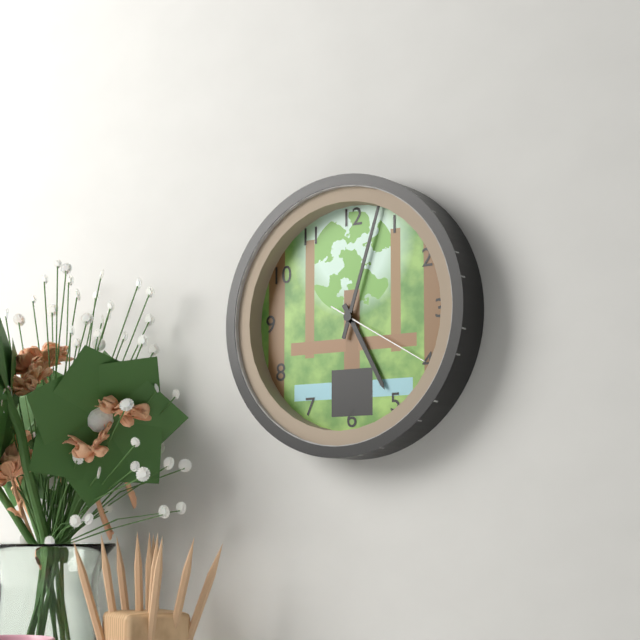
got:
5:03:20
